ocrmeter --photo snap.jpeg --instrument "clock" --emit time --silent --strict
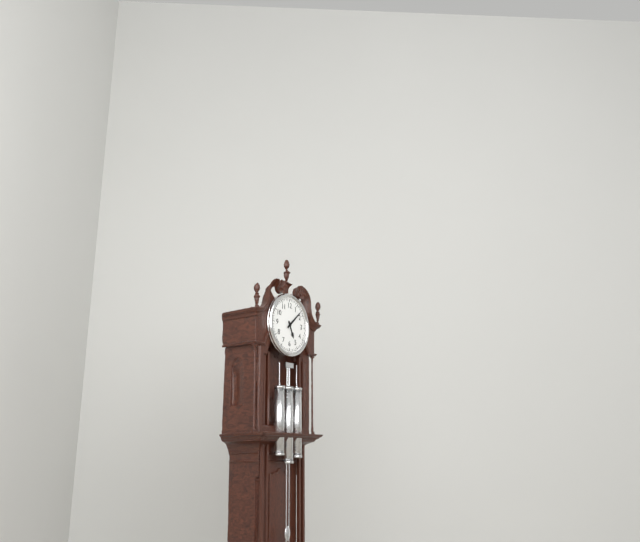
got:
5:08
